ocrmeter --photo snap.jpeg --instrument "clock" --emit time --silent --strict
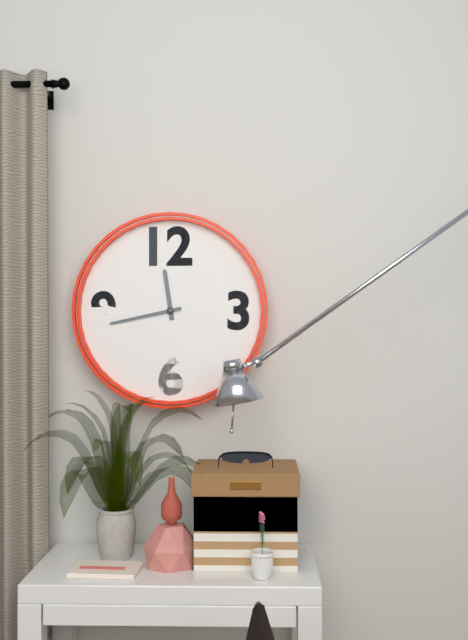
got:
11:43
